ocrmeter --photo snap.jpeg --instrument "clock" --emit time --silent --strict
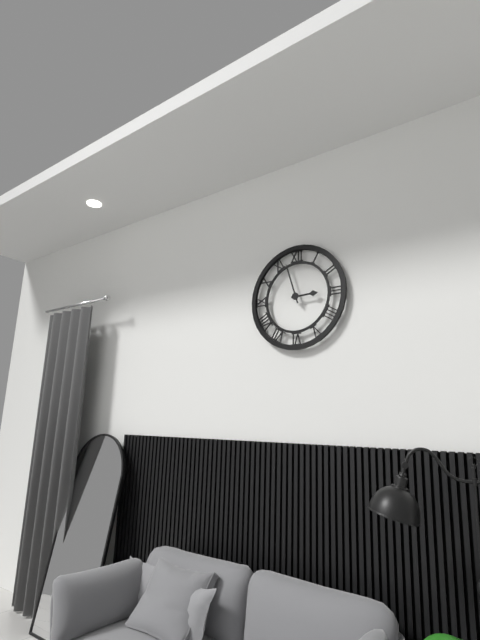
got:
2:57
